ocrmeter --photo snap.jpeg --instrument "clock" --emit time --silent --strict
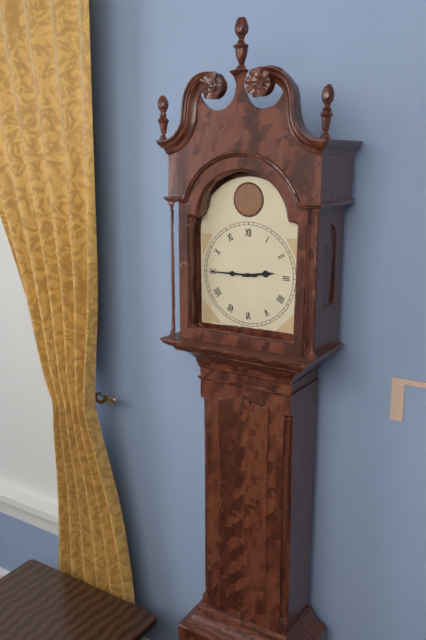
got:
2:45
